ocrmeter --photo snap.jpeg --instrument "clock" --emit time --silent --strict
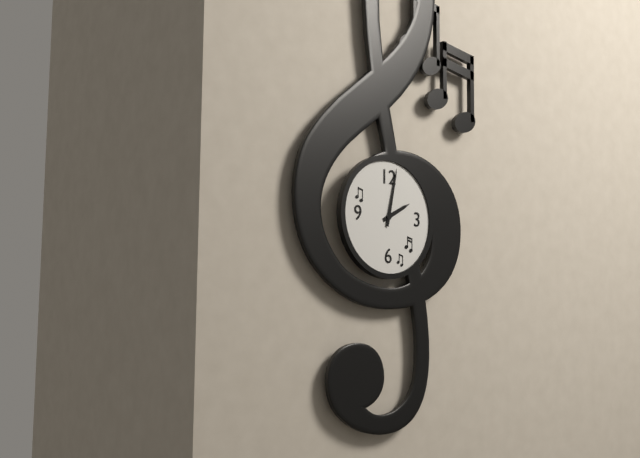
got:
2:02
